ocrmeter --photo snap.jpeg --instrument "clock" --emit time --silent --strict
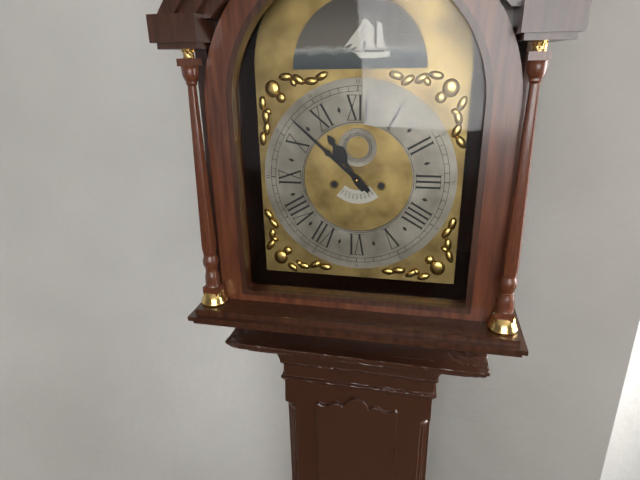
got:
10:52
